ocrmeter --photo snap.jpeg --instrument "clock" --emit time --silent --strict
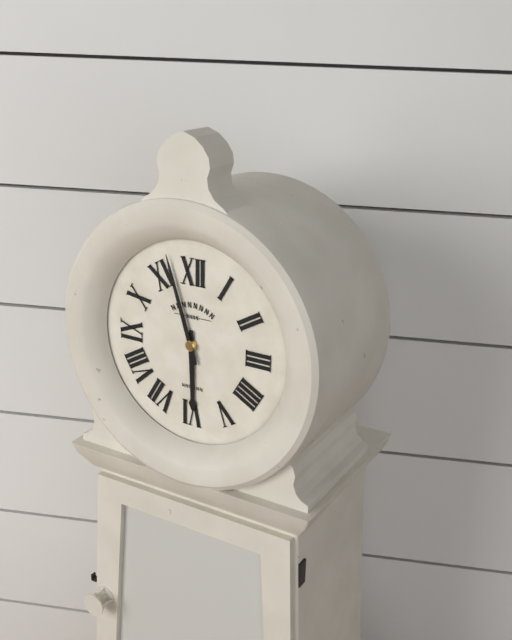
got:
5:57
